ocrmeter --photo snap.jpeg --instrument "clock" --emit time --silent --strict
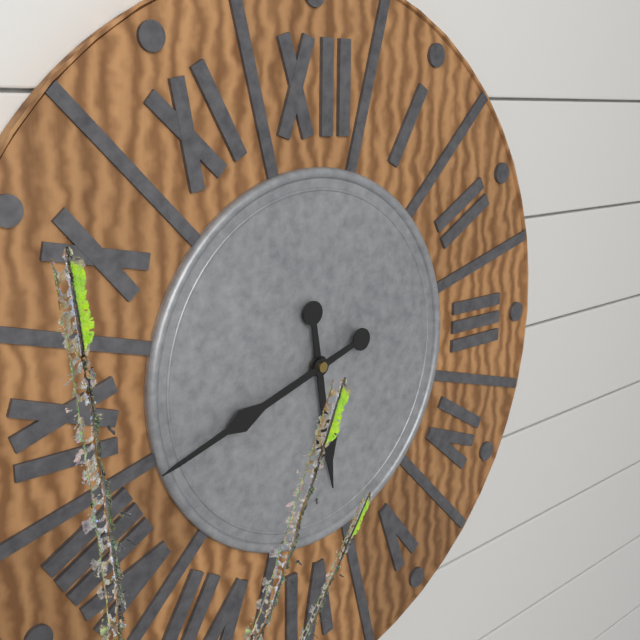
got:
5:42
